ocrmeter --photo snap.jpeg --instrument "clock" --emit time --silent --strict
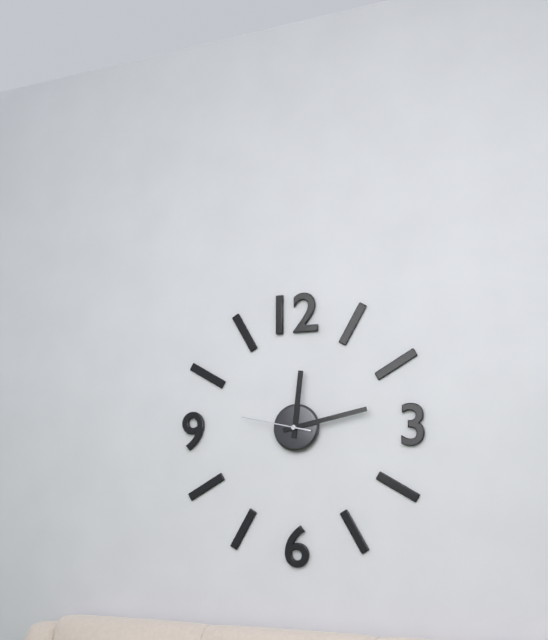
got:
12:13:47
